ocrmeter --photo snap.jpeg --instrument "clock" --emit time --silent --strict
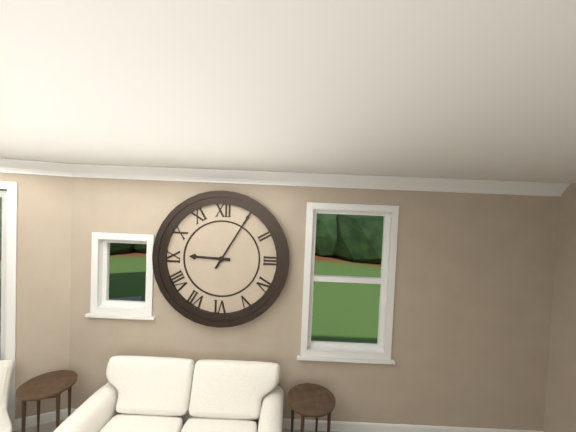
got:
9:05
